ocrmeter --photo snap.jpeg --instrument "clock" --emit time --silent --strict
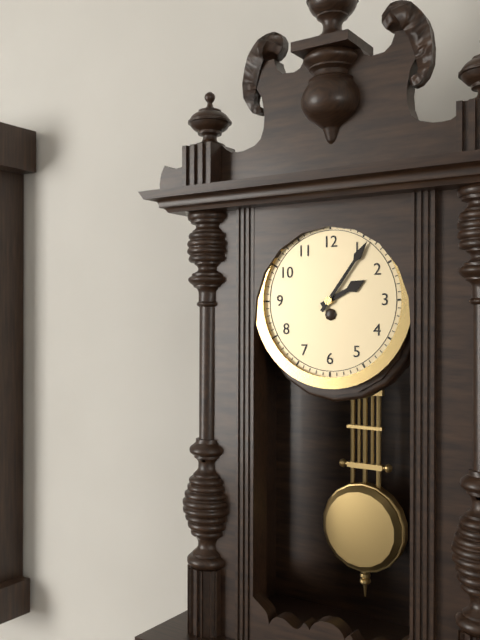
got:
2:06
